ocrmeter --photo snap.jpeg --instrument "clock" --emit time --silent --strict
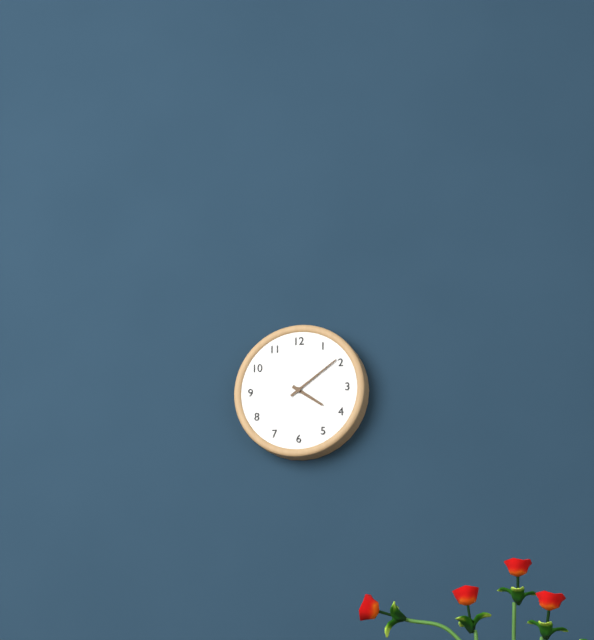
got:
4:09
